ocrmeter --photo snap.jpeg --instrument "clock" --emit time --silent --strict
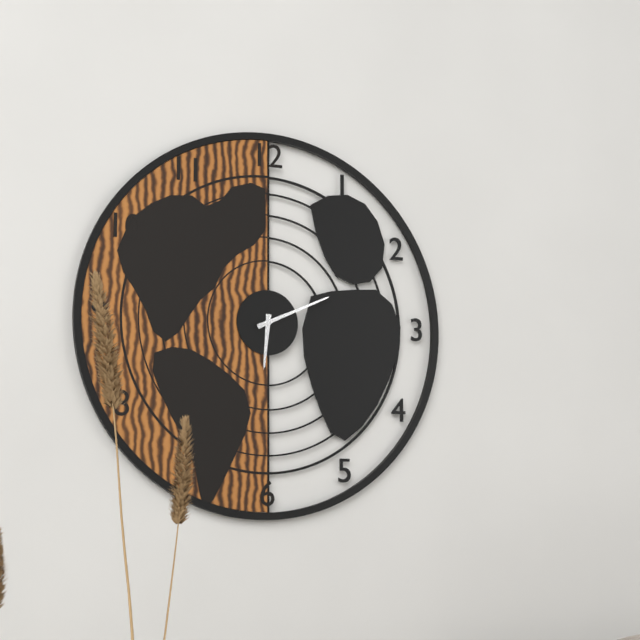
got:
6:11
